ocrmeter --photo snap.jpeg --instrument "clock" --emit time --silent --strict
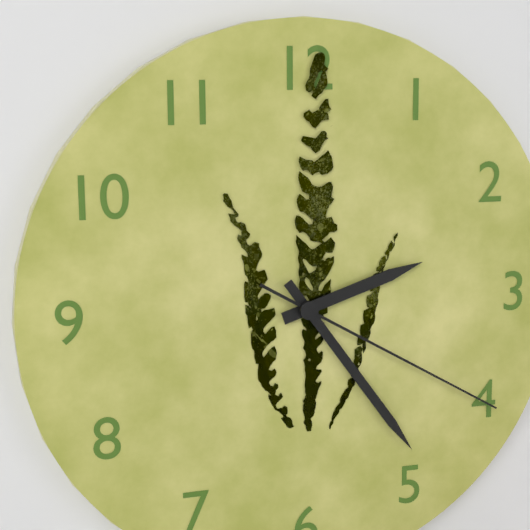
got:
2:24:20
